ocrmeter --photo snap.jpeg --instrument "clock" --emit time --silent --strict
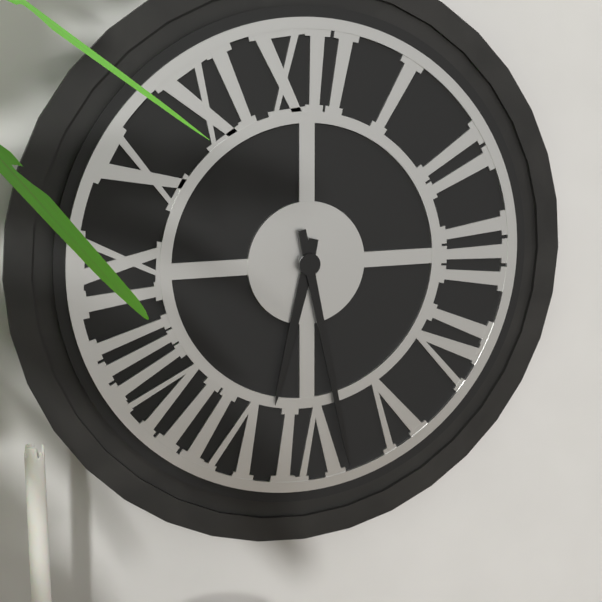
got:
6:28
